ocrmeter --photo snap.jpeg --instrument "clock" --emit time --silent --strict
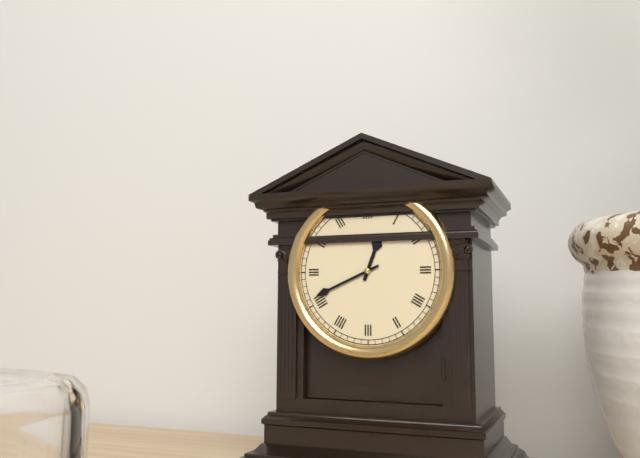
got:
12:41
